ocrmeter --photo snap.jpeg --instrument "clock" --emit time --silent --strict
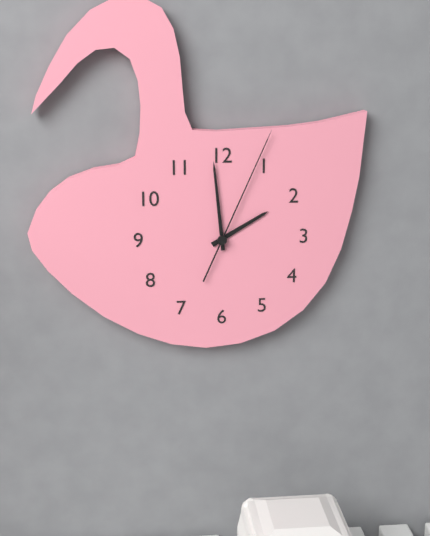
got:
1:59:04
